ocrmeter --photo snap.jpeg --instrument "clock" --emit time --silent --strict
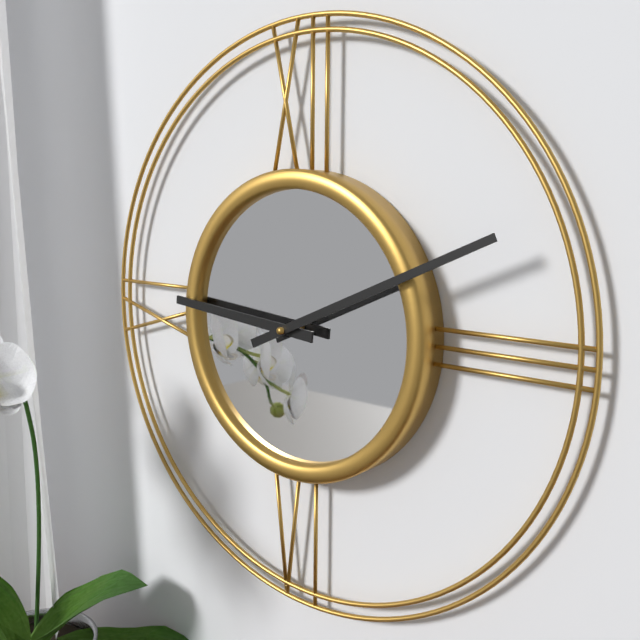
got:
9:11
